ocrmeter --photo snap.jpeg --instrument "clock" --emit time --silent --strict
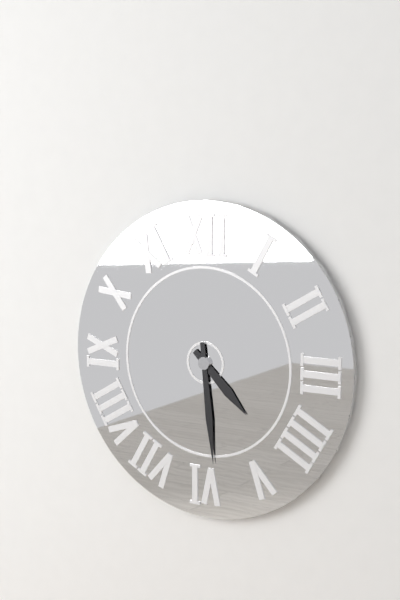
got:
4:29
